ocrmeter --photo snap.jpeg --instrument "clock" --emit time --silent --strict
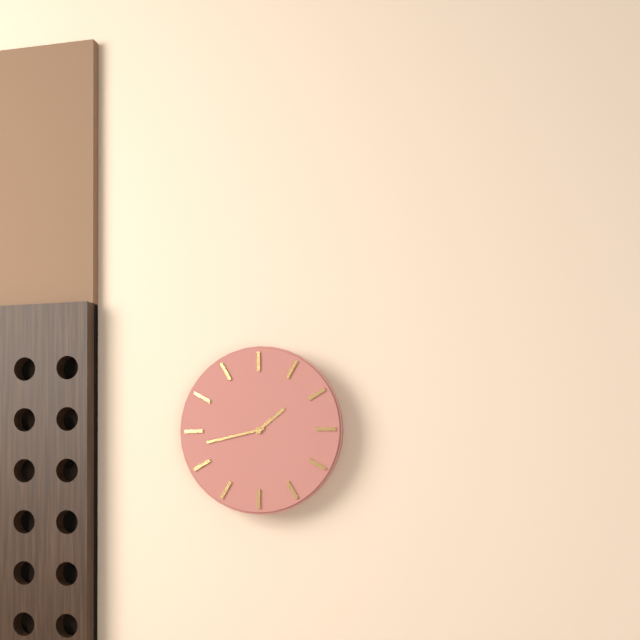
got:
1:43
